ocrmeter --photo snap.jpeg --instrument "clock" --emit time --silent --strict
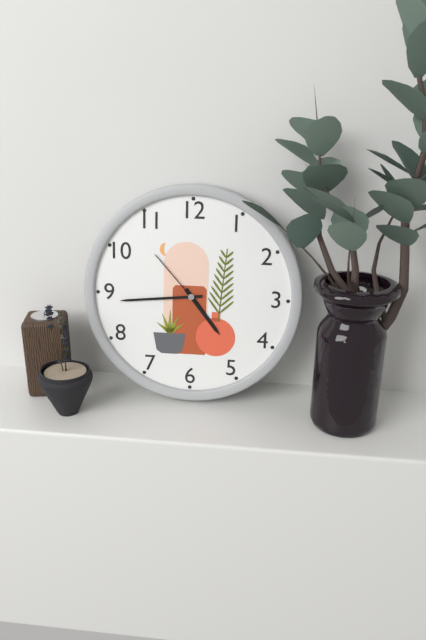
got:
4:44:53
